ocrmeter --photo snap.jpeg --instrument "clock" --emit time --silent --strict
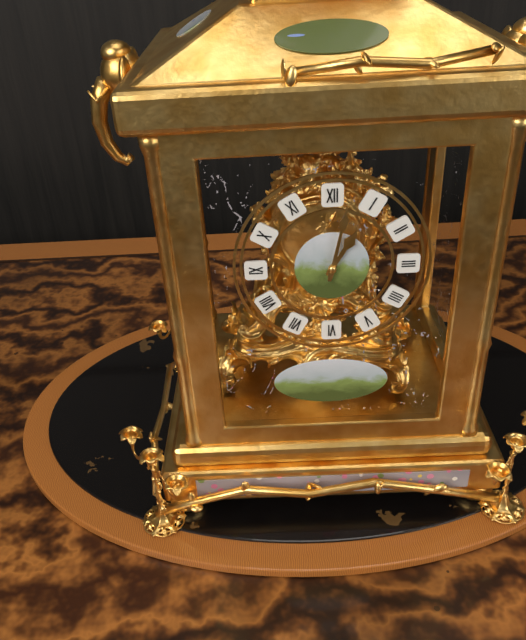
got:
1:02
